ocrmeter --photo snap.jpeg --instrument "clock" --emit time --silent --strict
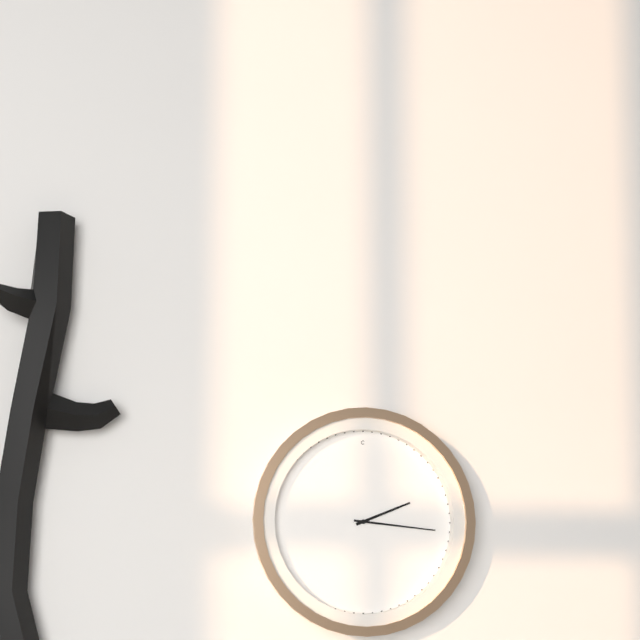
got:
2:16
